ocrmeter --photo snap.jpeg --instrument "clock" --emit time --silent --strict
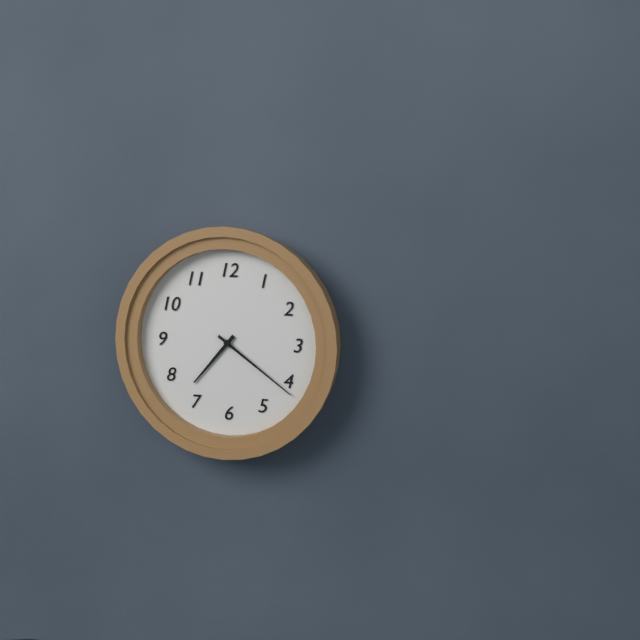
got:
7:21
